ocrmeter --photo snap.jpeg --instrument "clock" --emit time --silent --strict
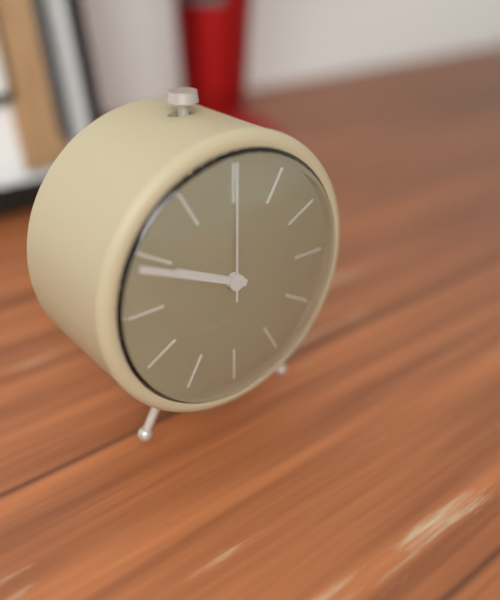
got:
9:49:00
